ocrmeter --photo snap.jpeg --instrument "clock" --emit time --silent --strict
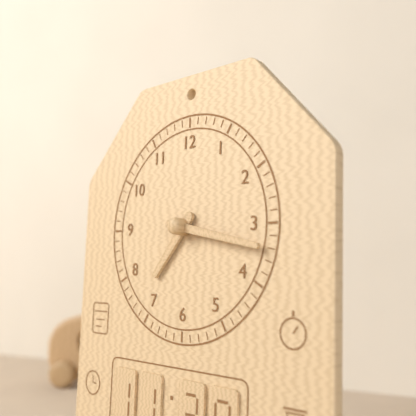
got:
7:17
